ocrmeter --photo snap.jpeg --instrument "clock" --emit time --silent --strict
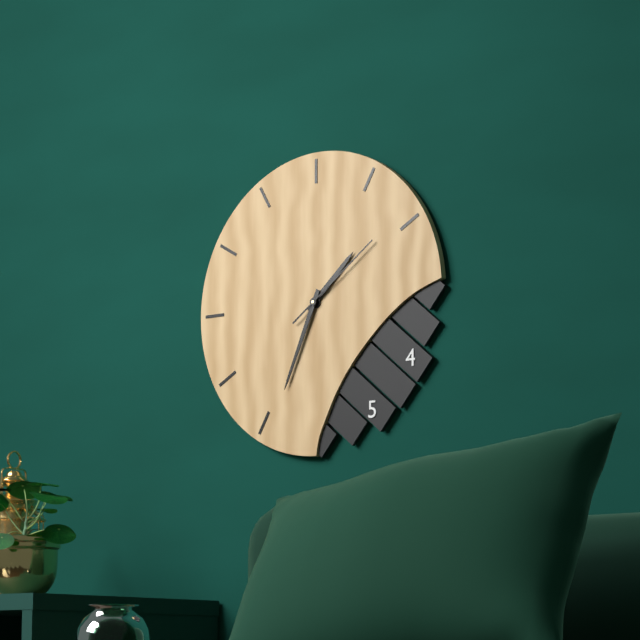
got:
1:34:09
